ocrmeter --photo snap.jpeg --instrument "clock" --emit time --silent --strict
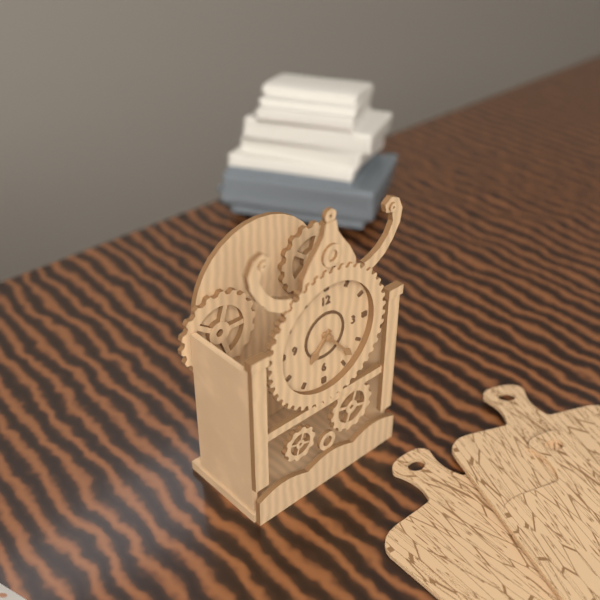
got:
7:23
